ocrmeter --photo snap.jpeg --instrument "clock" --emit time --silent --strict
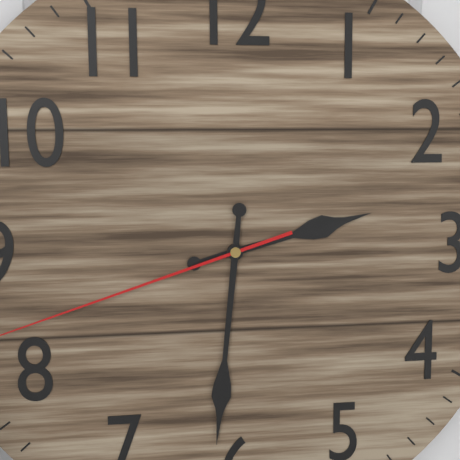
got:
2:31
